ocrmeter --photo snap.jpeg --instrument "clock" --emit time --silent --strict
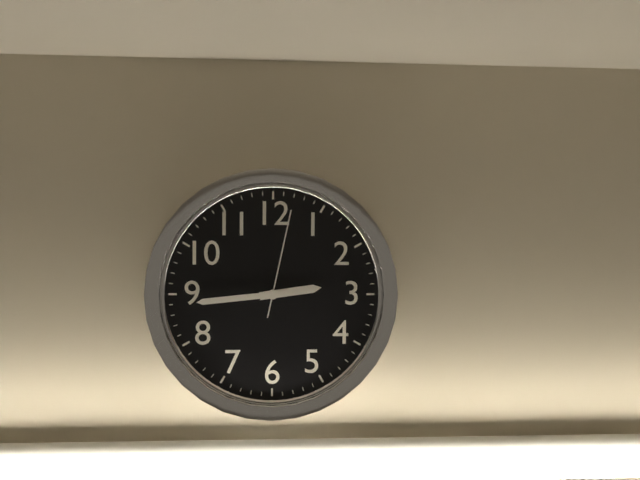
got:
2:44:02
